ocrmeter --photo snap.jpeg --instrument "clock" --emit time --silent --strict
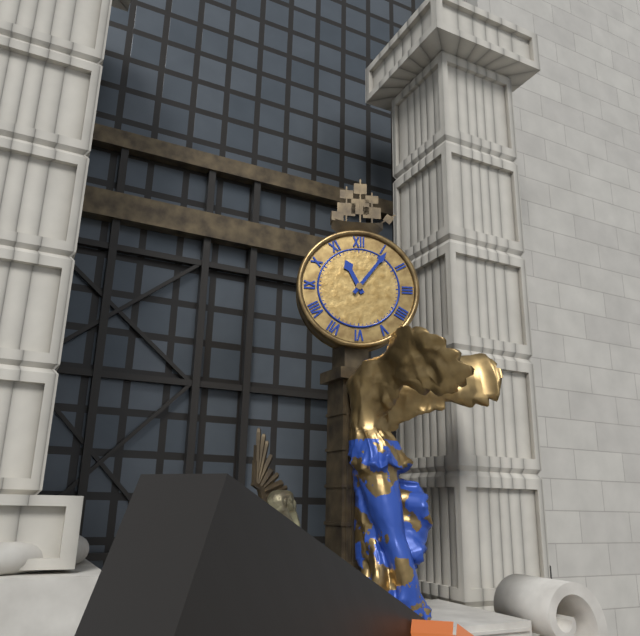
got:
11:06
